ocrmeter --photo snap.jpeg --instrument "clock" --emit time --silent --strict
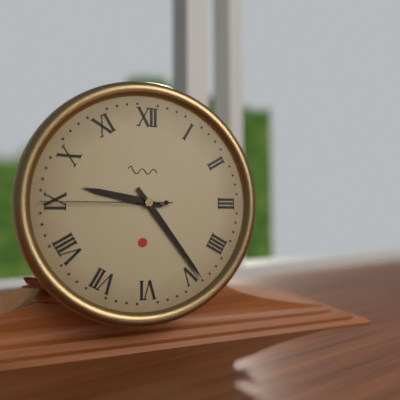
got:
9:24:45
